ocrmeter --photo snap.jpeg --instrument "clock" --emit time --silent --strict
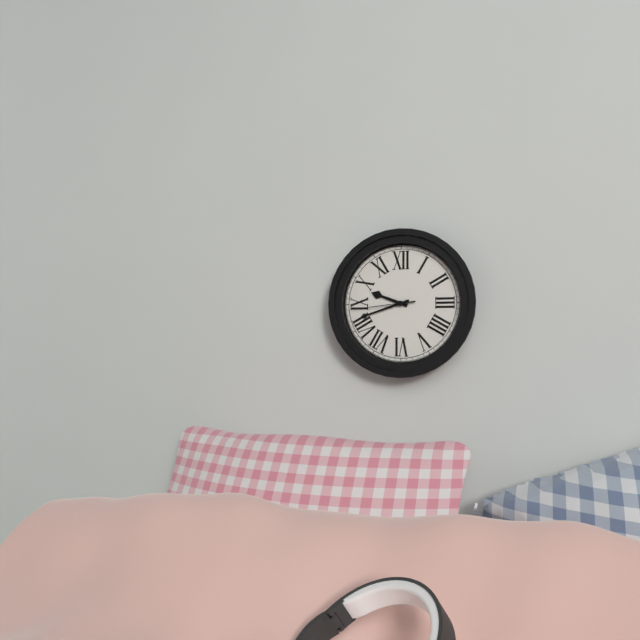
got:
9:42:44
